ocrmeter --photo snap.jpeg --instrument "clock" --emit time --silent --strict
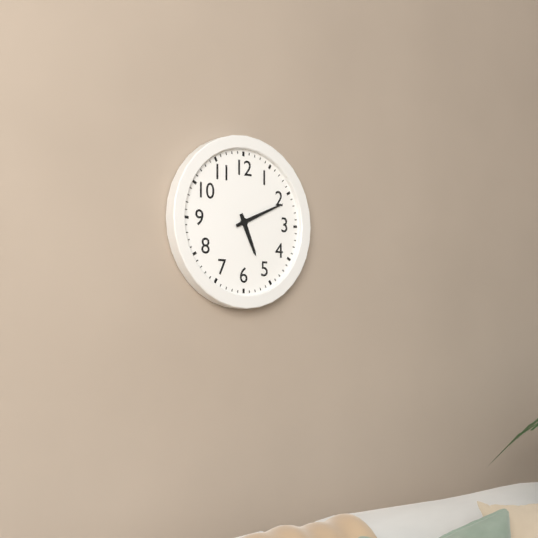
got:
5:11
